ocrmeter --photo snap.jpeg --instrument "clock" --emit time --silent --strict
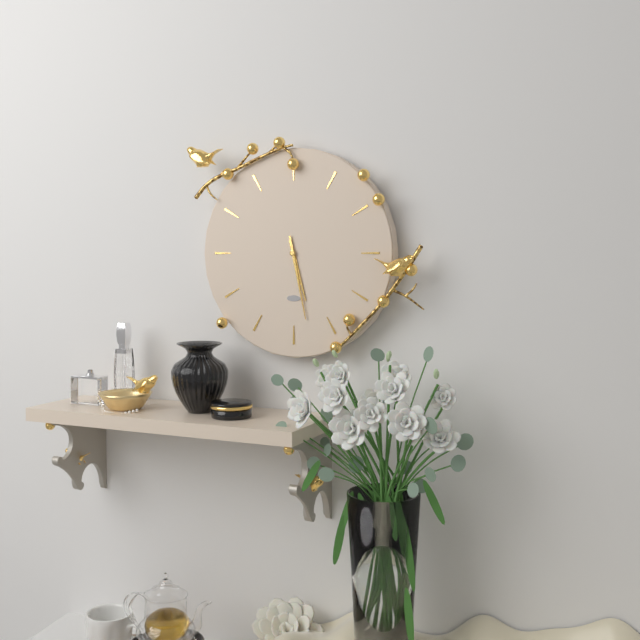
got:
5:28
